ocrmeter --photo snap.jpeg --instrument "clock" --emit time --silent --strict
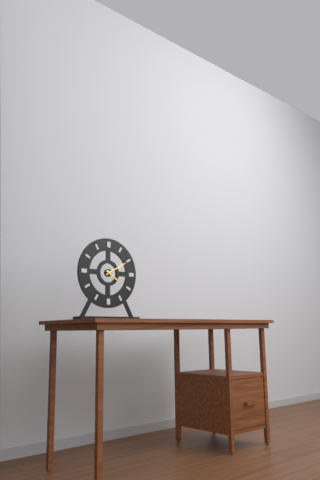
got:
4:10
